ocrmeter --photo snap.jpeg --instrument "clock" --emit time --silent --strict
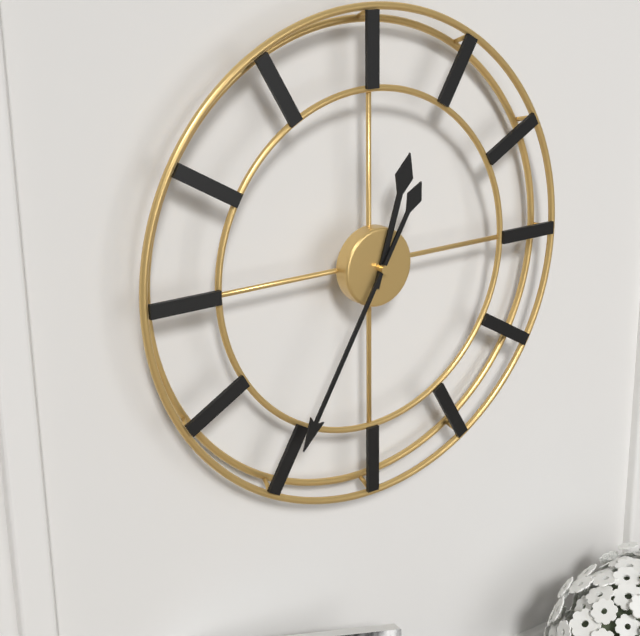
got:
12:35
